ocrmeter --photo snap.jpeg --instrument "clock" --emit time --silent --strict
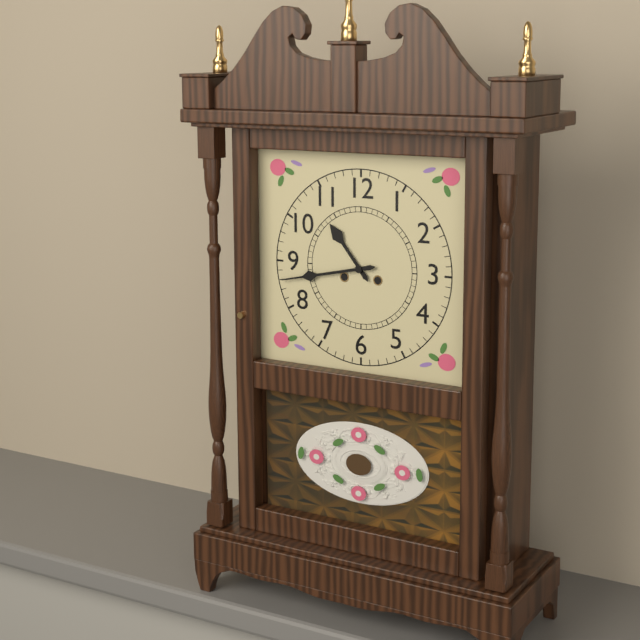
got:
10:43
